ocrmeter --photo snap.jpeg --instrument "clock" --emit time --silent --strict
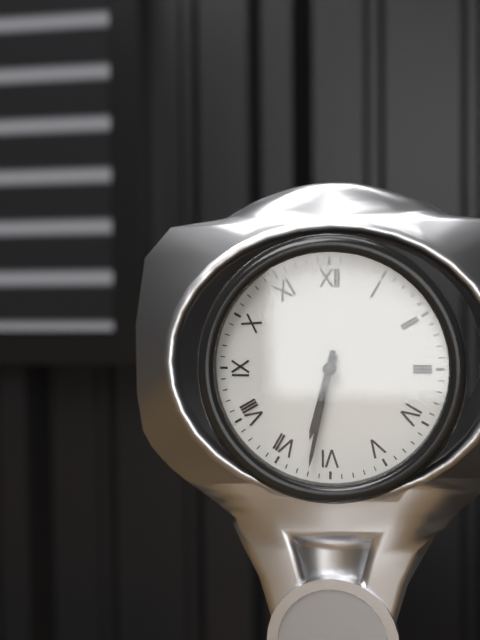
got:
6:32
